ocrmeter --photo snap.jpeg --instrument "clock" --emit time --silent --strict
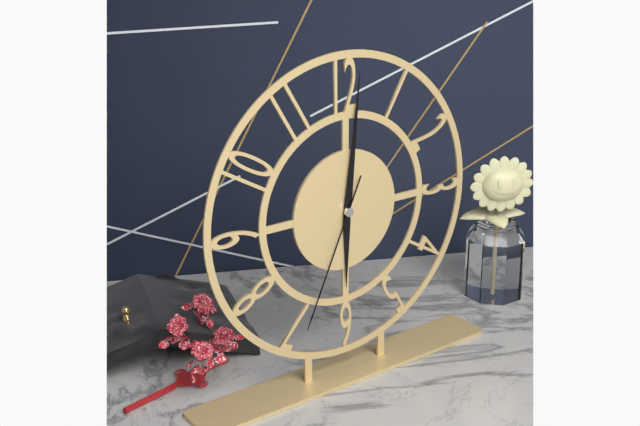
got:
6:01:34
